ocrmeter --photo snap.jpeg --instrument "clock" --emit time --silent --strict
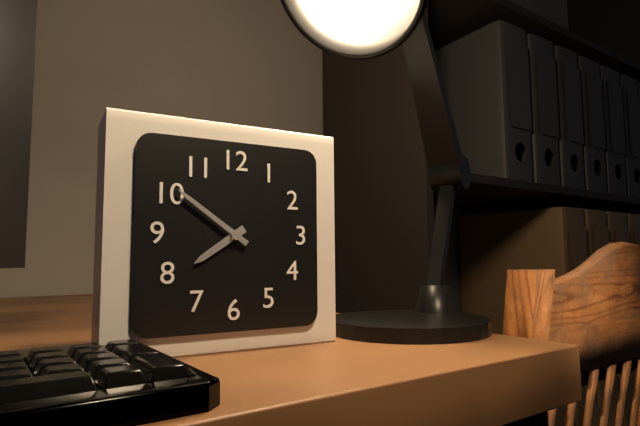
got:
7:51
